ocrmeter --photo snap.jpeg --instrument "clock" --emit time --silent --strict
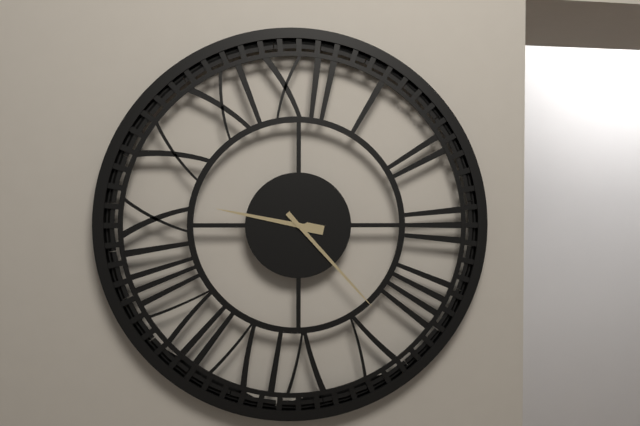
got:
9:23
